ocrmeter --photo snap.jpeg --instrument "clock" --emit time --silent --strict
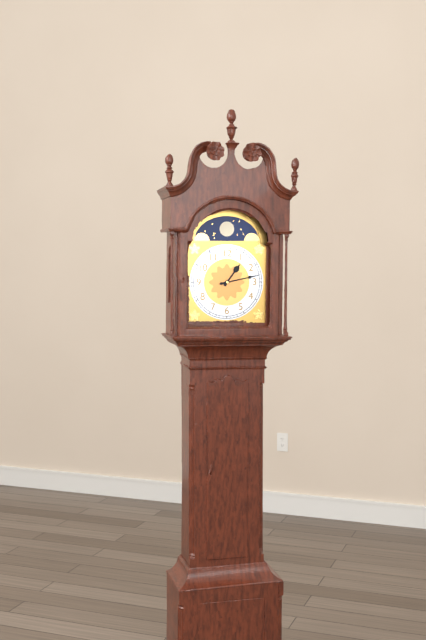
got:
1:13
